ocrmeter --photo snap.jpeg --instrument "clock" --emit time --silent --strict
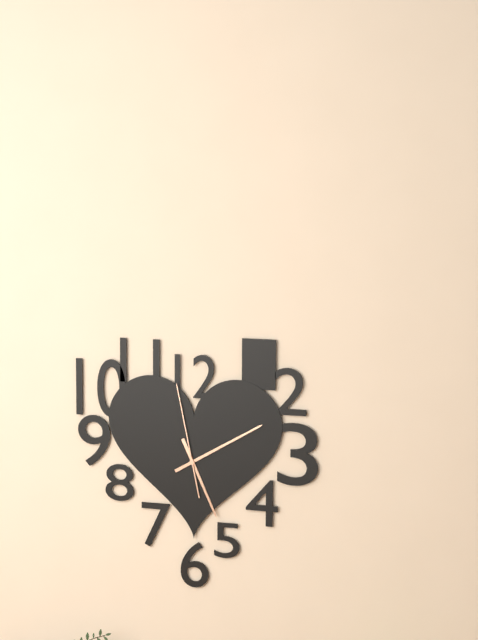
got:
5:10:58
